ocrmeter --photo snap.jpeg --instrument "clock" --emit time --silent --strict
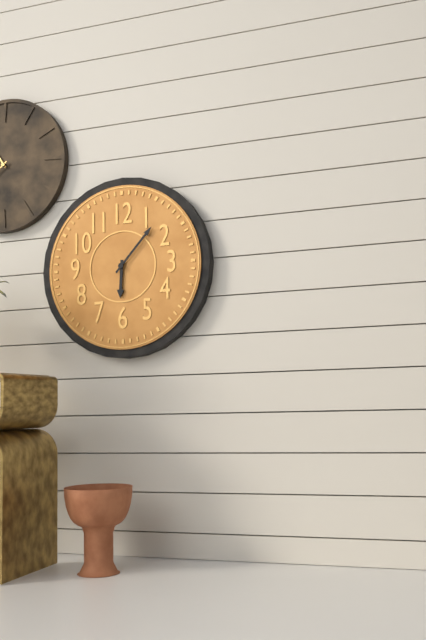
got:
6:07
